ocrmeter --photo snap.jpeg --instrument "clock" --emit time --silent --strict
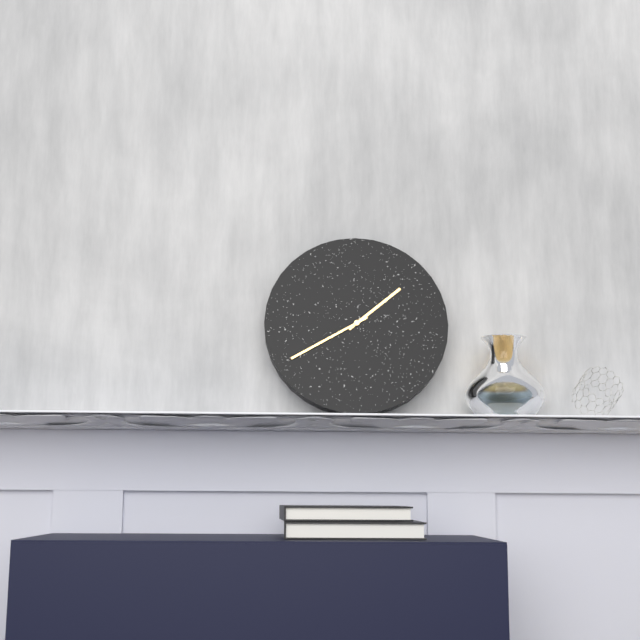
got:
1:40
